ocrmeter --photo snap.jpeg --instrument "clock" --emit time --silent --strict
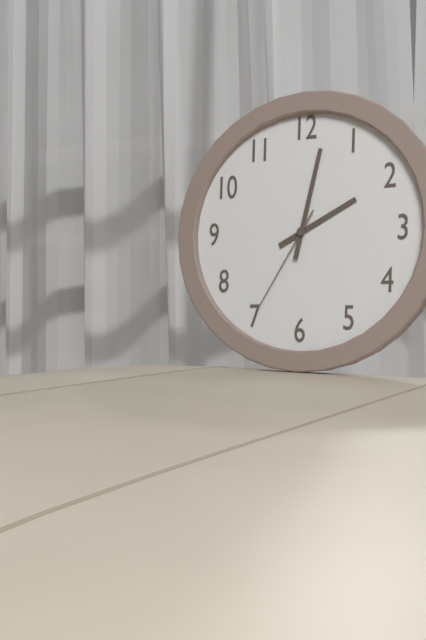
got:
2:02:35
